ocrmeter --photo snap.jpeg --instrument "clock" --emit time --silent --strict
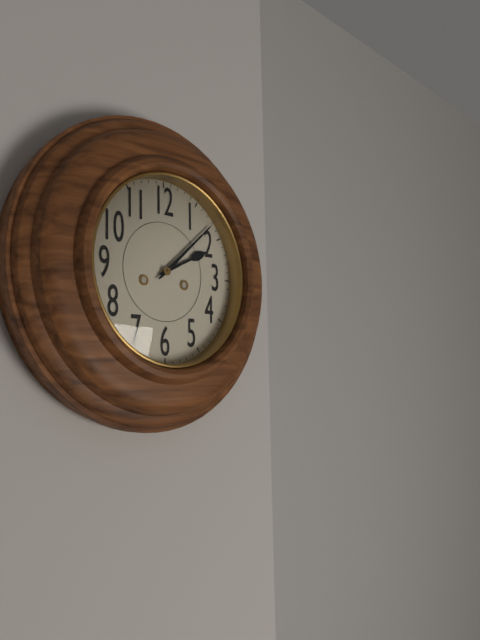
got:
2:08
